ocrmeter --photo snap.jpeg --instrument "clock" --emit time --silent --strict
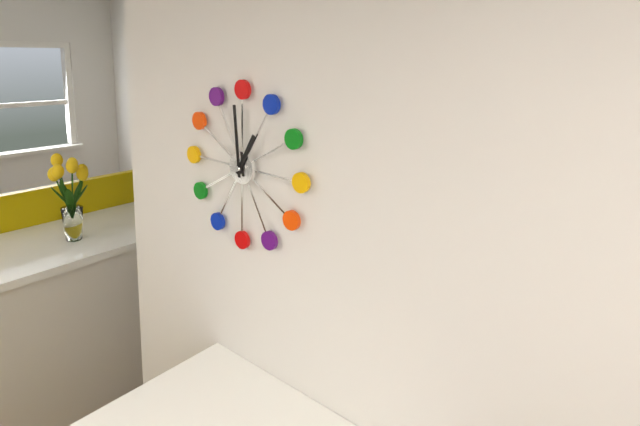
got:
12:59
